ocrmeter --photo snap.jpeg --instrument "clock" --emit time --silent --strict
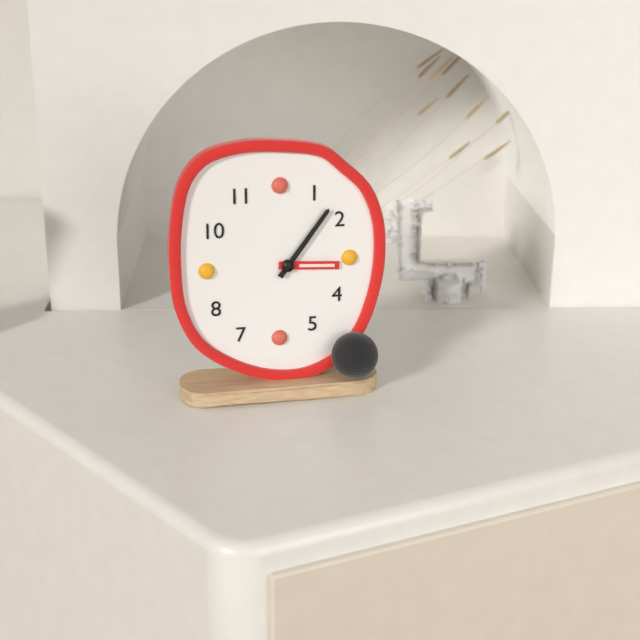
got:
3:06
